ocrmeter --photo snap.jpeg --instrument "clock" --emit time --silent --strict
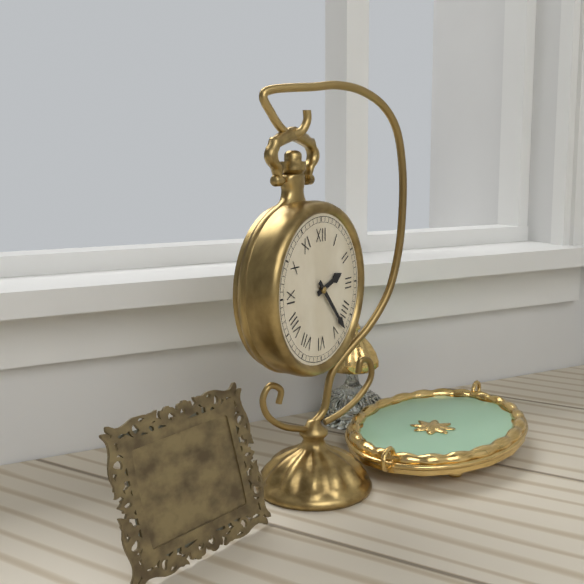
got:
2:23
